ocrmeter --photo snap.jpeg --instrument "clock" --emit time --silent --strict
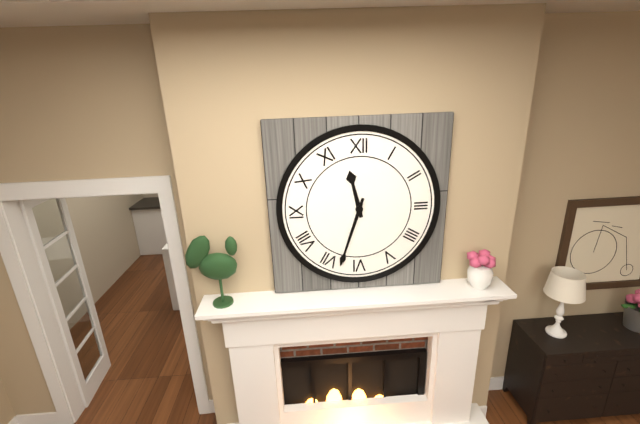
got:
11:33
